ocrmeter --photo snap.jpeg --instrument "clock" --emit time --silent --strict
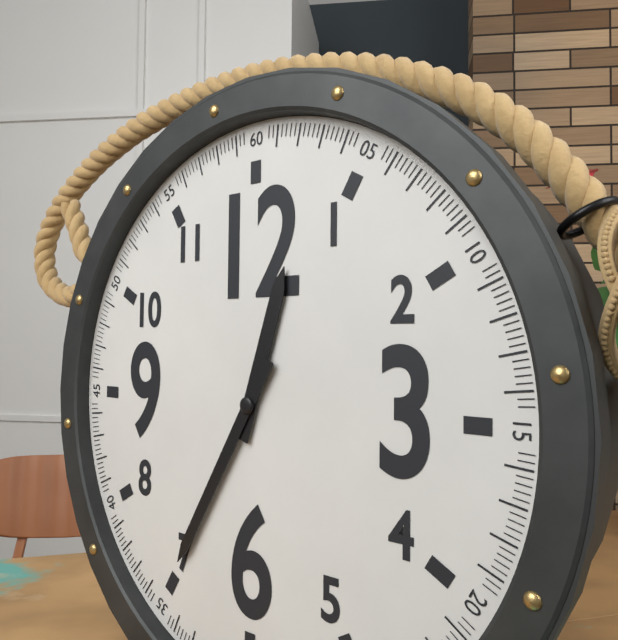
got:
12:35
